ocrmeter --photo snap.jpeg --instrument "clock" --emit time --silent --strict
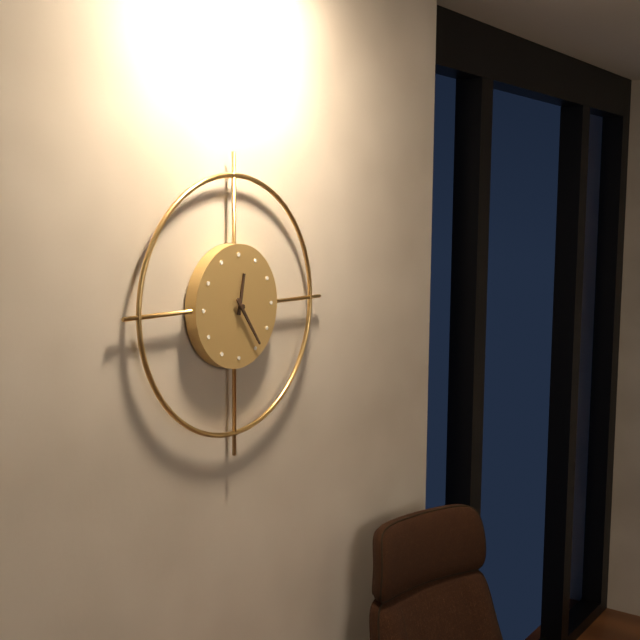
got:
12:24
